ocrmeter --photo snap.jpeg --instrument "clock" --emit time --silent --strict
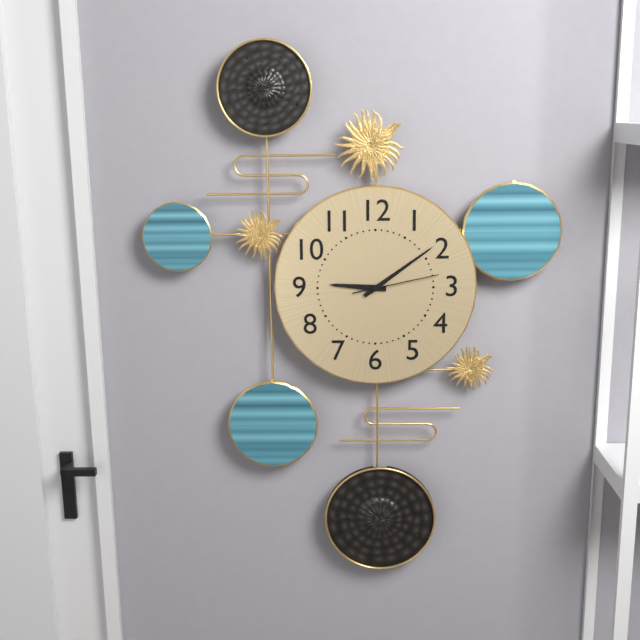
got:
9:09:13
